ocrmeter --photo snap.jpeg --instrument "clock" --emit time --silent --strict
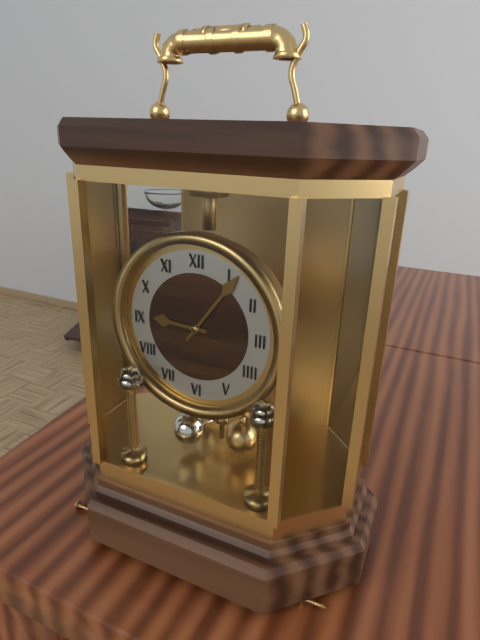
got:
9:06
